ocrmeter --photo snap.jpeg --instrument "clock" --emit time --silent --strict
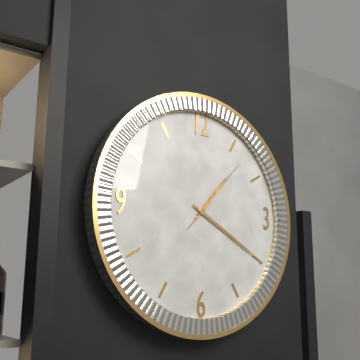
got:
1:20:07
